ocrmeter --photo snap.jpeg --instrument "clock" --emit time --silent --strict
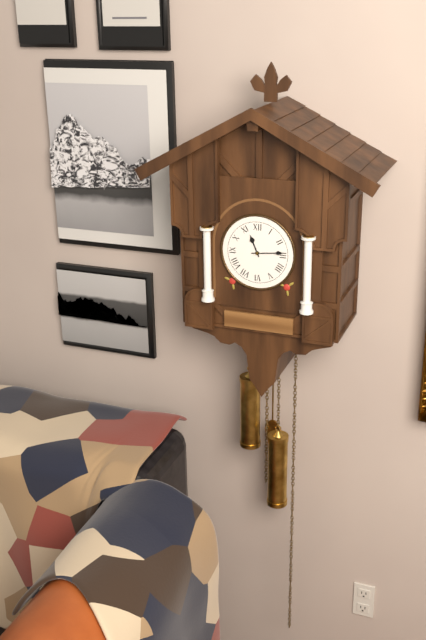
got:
11:14
